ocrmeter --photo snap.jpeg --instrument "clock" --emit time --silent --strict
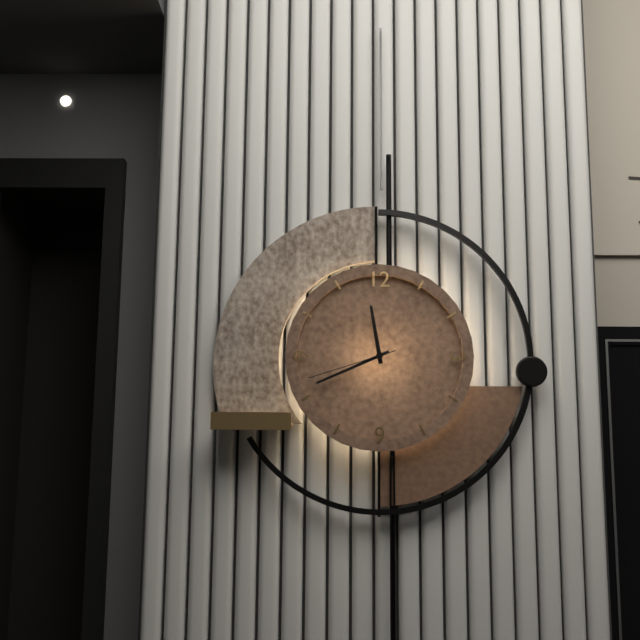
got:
11:41:42
